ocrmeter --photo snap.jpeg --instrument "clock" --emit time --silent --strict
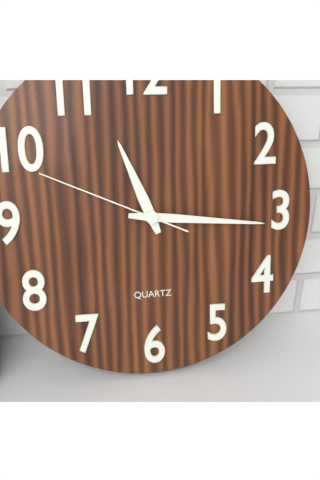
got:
11:16:49
